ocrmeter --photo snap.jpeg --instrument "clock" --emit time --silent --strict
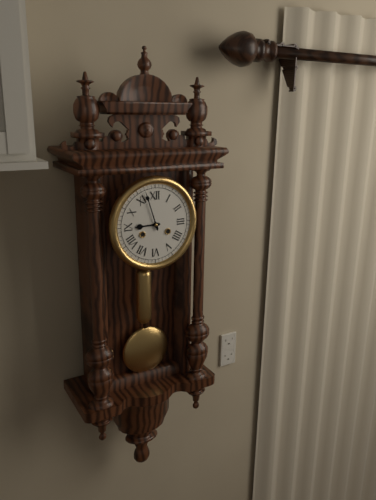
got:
8:57
